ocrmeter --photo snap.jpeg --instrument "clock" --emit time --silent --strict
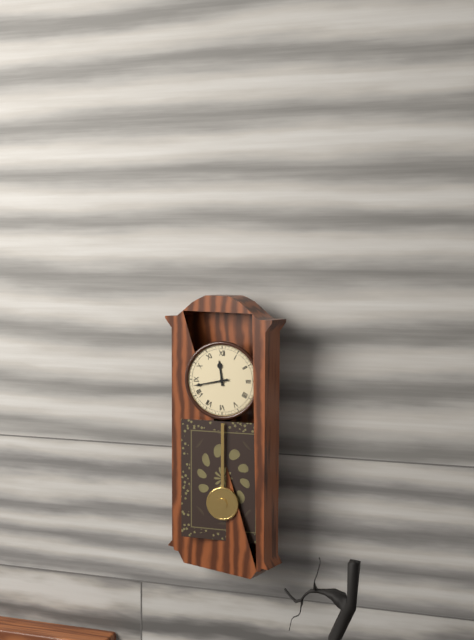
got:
11:43
